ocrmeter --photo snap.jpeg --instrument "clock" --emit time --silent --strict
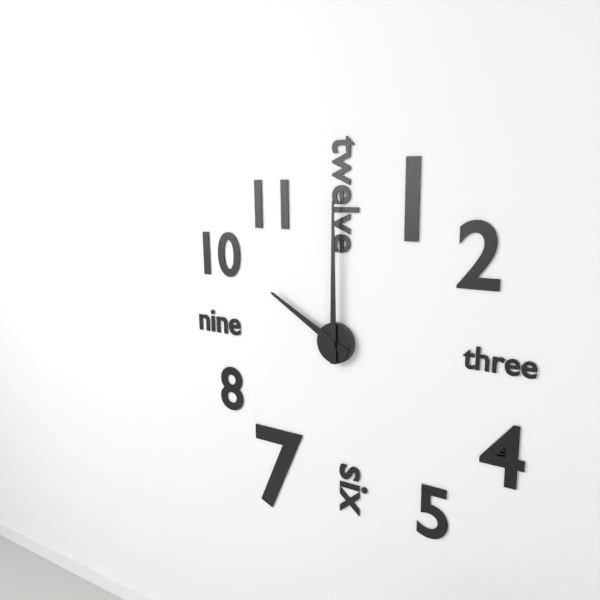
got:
10:00
